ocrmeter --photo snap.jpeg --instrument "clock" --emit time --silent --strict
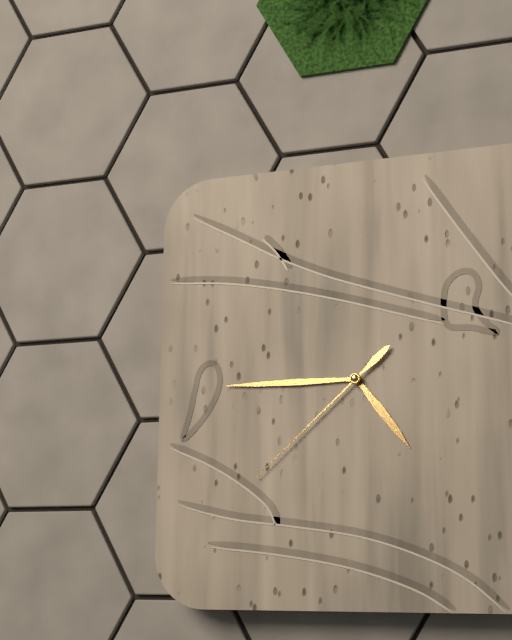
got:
4:45:38
